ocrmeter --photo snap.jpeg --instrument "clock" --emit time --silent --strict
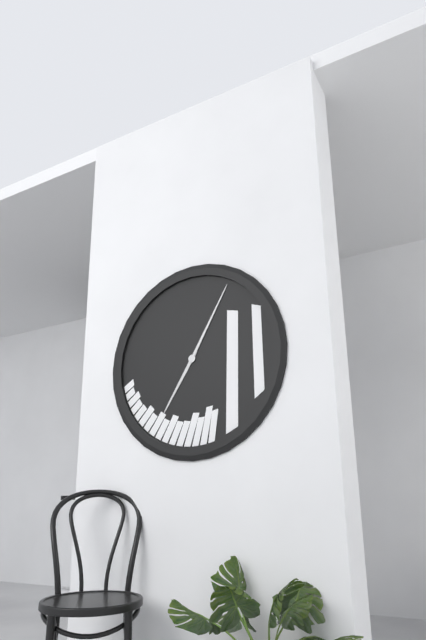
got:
7:05
